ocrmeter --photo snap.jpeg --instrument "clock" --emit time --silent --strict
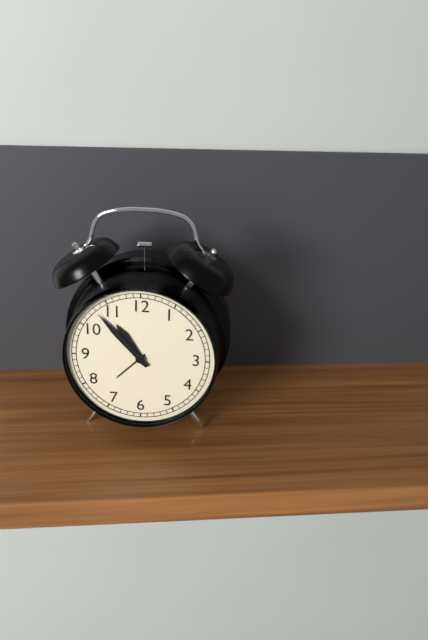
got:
10:53
